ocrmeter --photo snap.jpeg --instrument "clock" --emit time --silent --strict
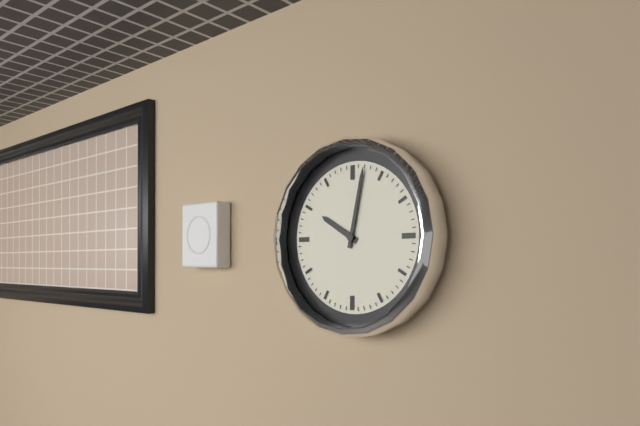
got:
10:02
